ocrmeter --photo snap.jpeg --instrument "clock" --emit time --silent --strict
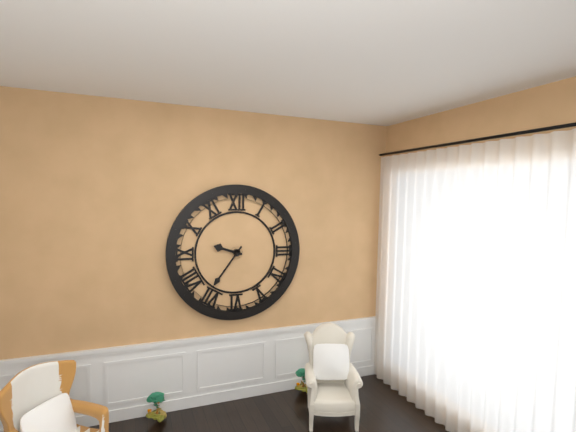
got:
9:36
